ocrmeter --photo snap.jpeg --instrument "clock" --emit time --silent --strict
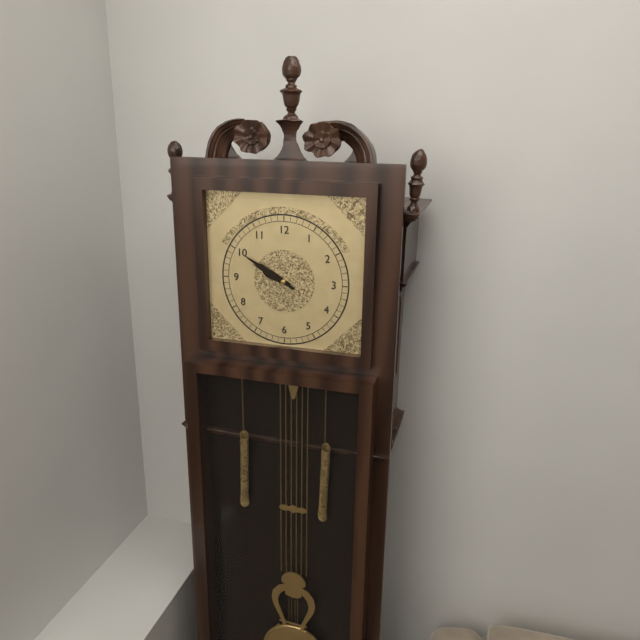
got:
9:50
